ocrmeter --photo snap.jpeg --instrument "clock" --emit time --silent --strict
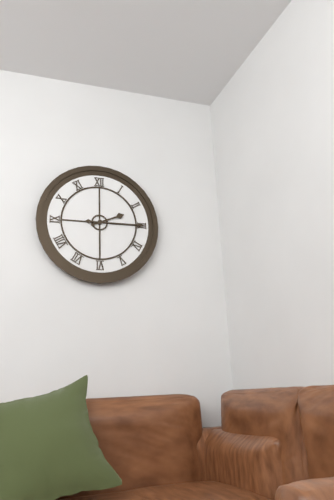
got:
2:15
